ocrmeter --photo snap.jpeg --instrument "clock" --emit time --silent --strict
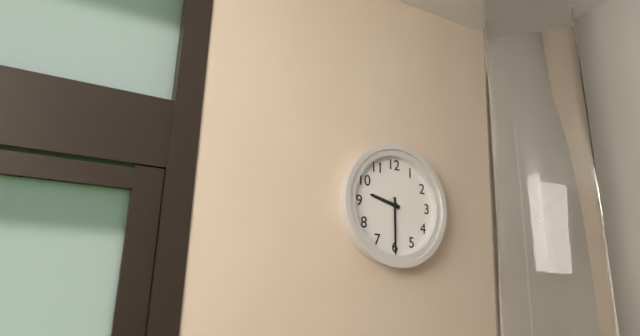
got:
9:30
